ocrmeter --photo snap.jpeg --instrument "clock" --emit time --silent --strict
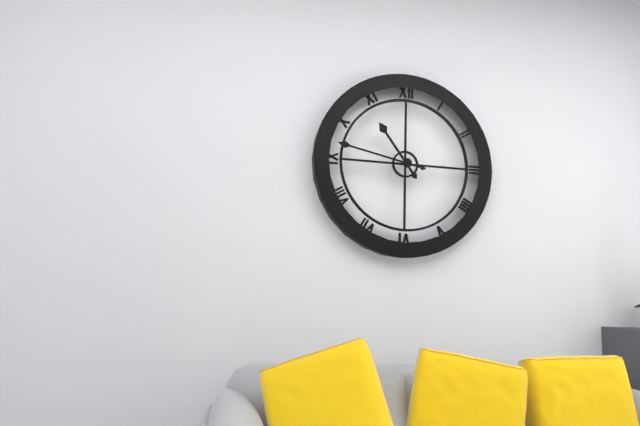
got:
10:47
